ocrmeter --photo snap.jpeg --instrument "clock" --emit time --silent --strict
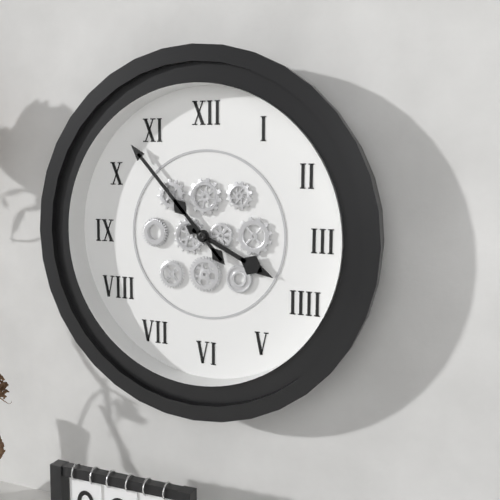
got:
3:53
